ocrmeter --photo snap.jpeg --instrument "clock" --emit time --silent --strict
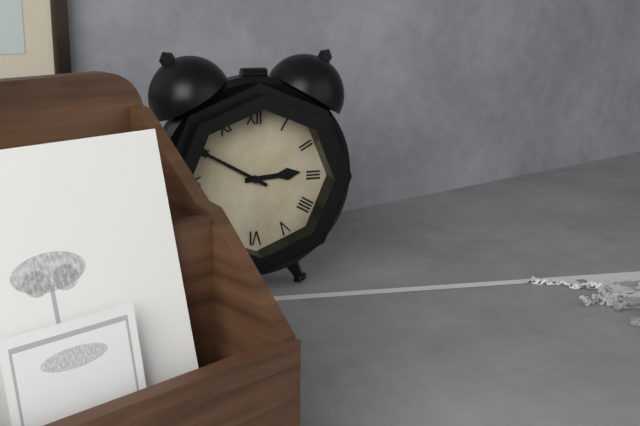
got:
2:50
